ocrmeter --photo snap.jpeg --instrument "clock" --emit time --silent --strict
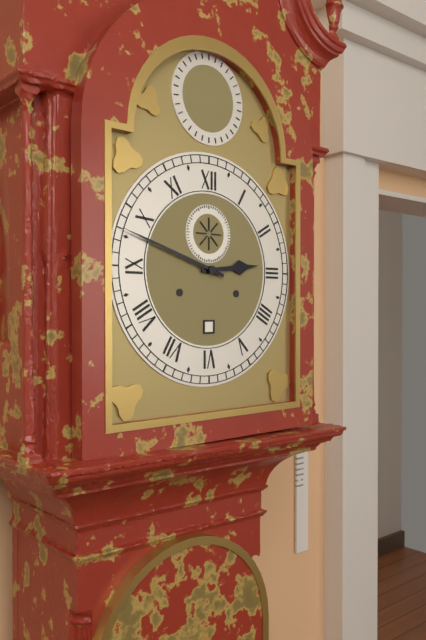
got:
2:48
